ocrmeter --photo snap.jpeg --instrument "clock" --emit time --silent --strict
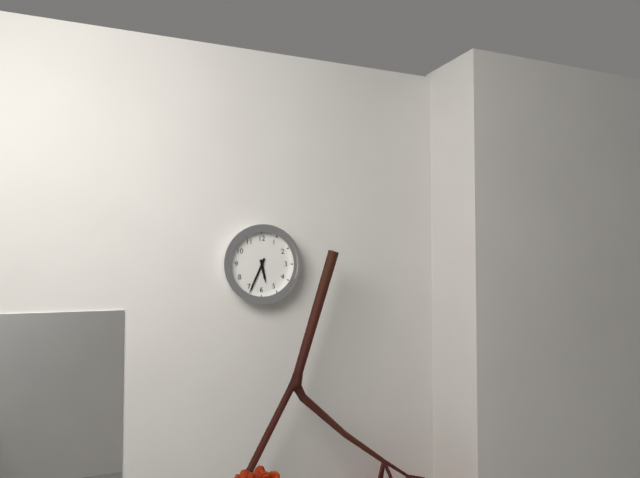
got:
5:34
